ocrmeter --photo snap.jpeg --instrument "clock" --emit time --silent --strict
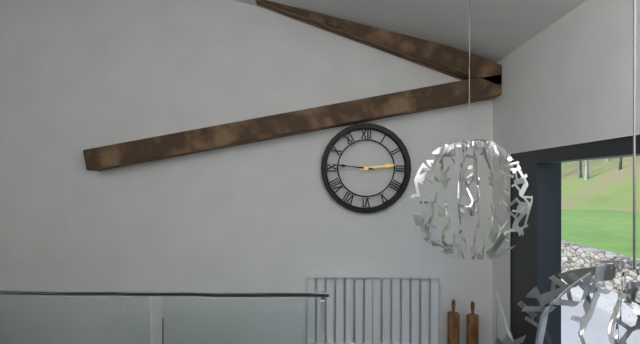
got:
2:46
